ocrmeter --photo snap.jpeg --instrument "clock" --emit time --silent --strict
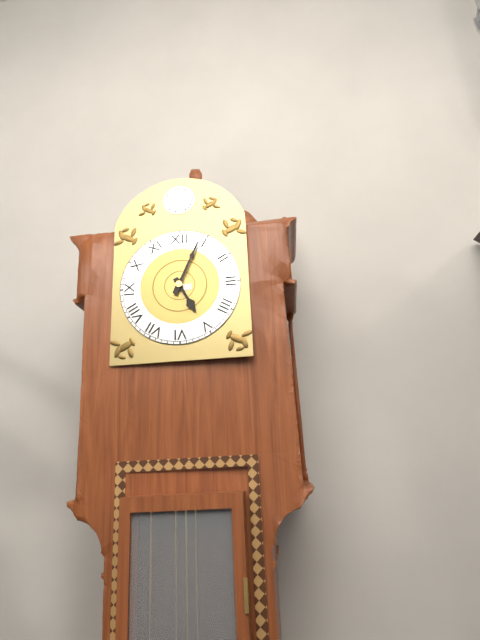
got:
5:04
